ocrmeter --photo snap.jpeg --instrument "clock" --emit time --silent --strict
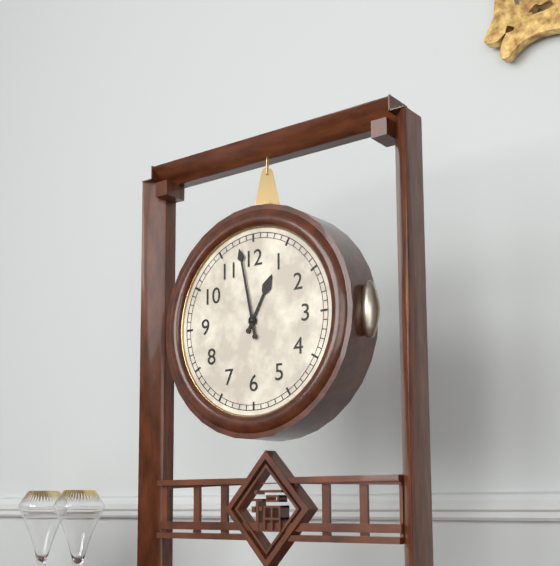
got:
12:58
